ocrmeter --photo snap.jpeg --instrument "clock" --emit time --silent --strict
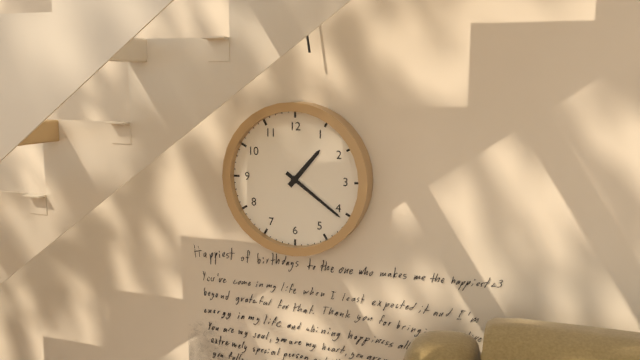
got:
1:21
